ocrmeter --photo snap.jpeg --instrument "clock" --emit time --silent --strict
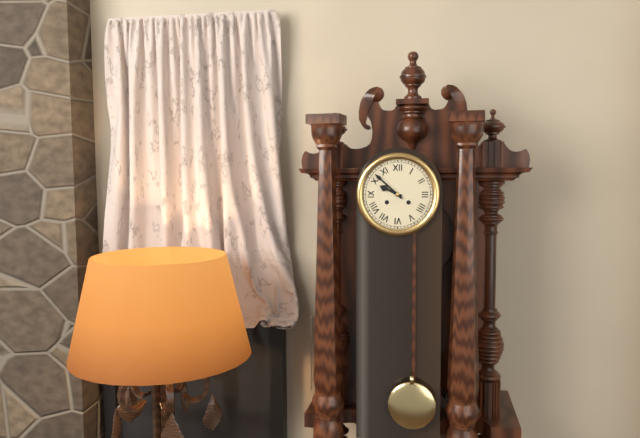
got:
9:52
